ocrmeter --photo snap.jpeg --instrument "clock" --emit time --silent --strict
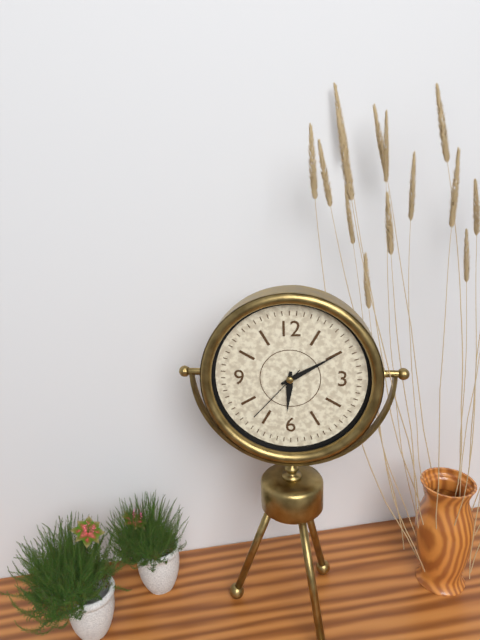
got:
6:10:37
